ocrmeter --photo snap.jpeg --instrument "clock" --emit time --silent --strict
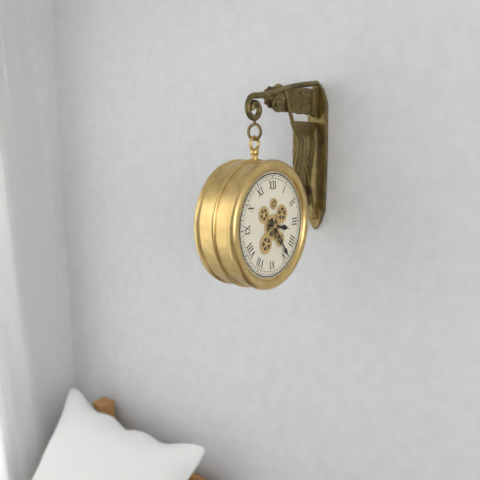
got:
3:24
